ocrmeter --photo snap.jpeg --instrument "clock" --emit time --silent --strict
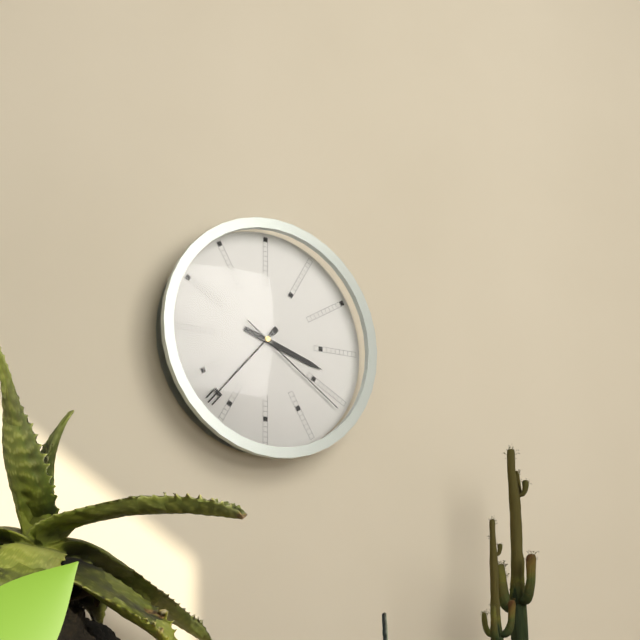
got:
3:37:21
